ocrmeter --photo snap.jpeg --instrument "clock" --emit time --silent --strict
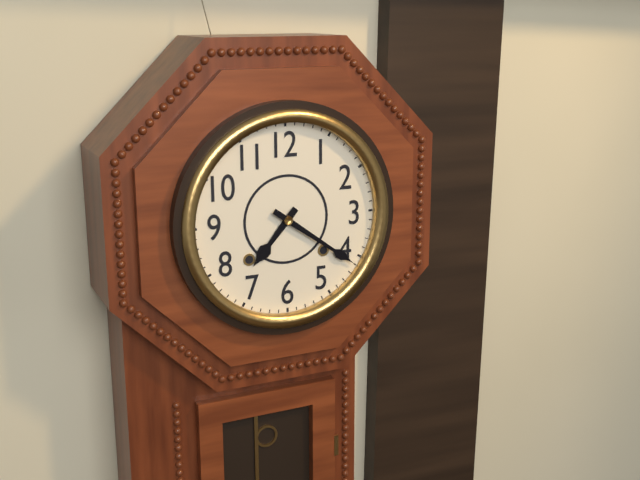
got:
7:21
